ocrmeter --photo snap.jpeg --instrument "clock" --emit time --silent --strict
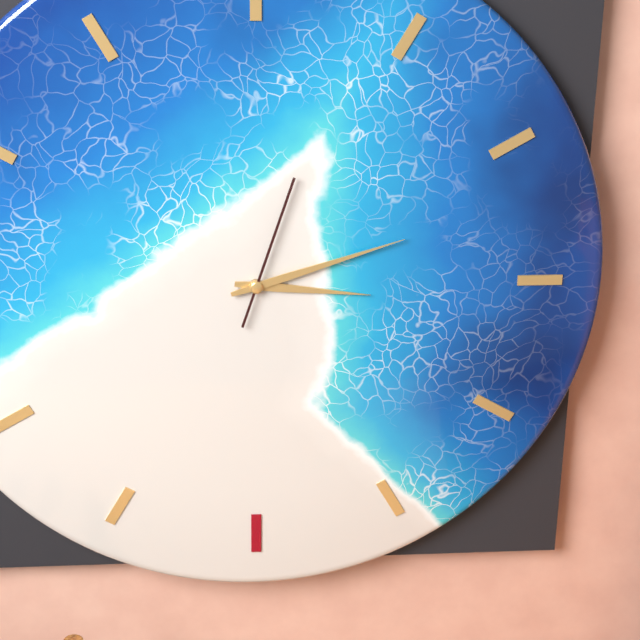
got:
3:12:03
